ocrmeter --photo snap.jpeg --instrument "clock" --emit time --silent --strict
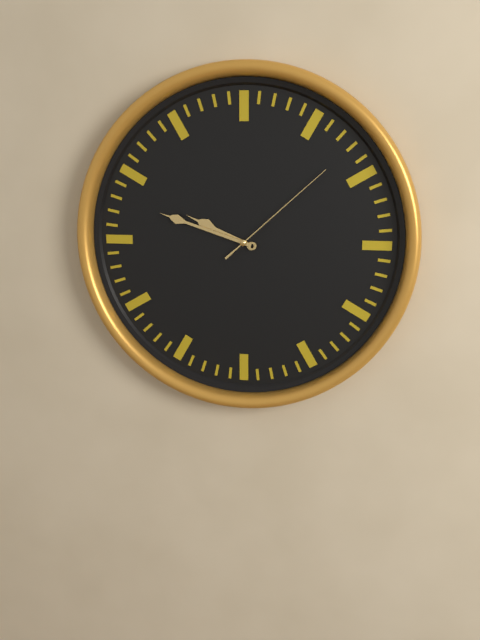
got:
9:48:08
